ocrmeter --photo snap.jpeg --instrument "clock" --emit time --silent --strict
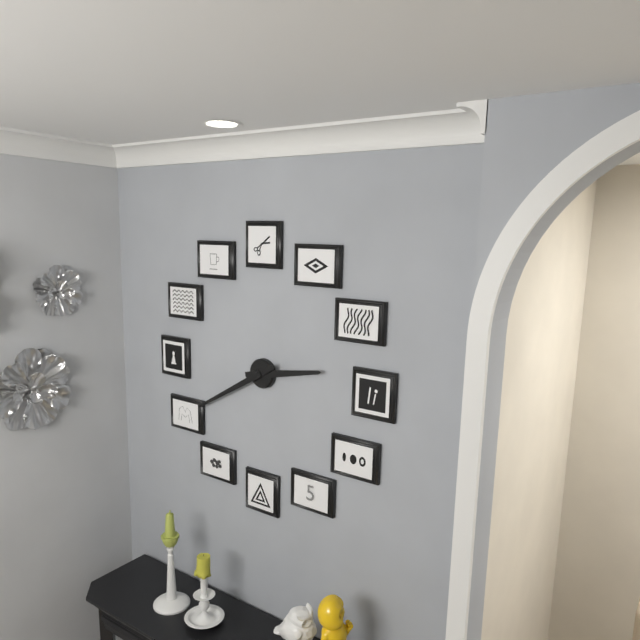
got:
2:40
